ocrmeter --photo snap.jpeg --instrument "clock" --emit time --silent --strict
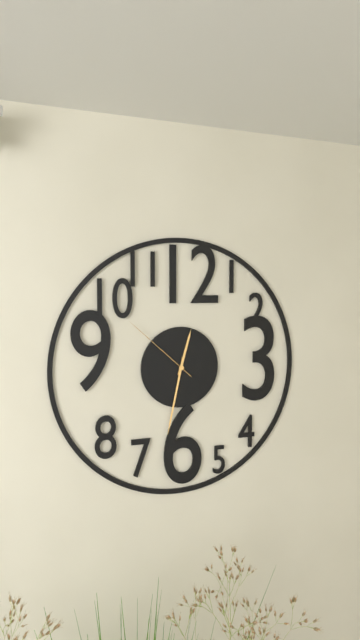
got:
12:32:52
